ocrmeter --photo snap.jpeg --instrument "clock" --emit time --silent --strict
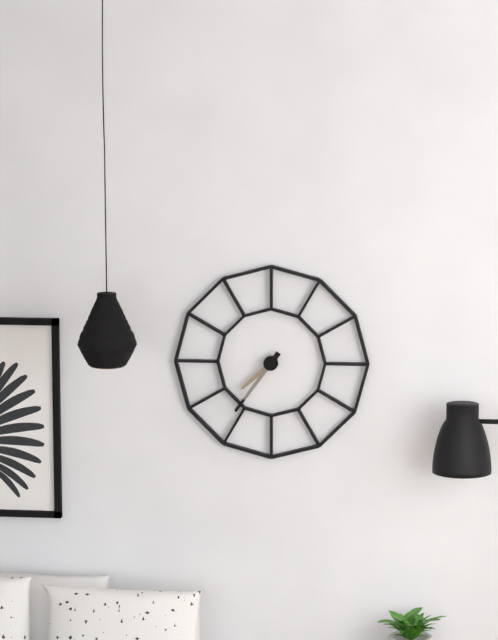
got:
7:36
